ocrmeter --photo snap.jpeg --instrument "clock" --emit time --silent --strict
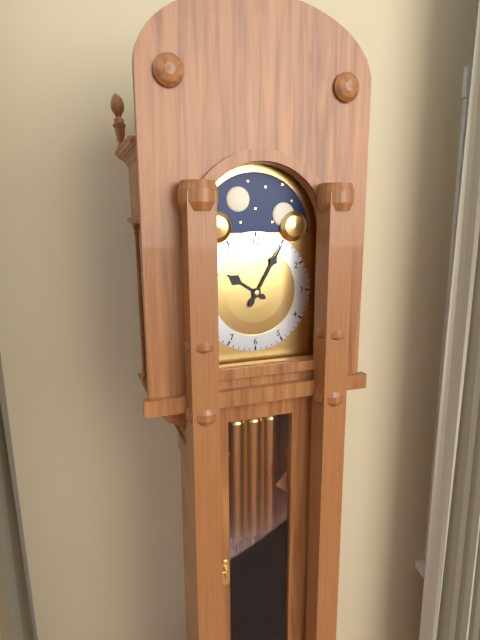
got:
10:05
